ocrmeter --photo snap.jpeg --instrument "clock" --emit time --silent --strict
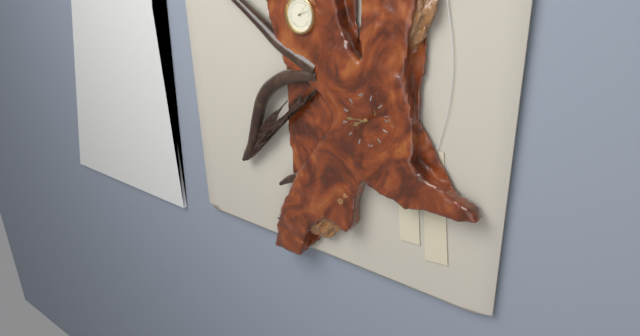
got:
5:32
